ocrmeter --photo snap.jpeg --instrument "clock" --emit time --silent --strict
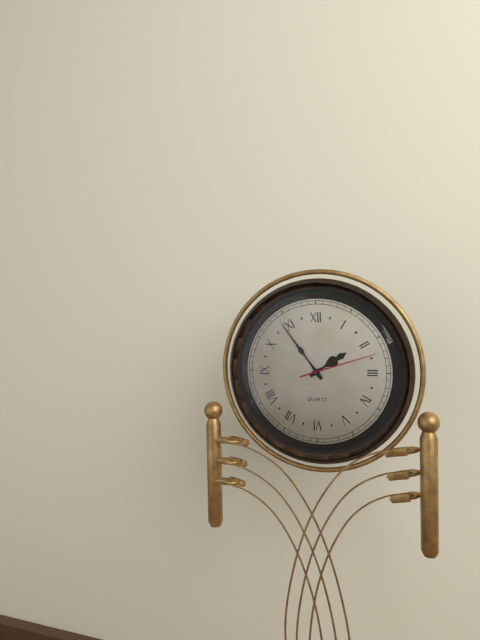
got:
1:54:12
